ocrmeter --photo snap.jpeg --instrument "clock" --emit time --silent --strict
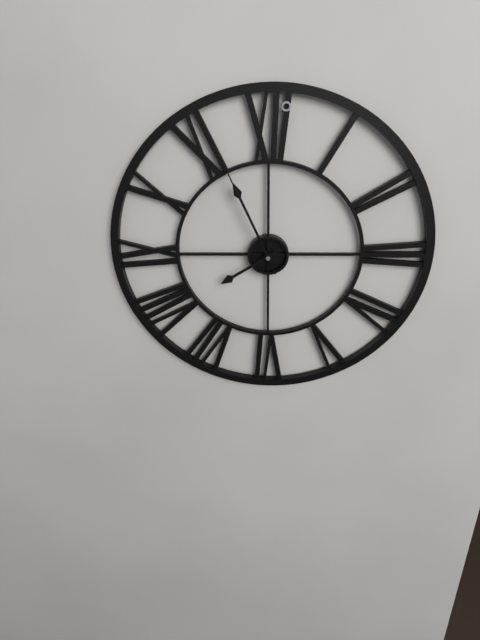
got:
7:56:56
